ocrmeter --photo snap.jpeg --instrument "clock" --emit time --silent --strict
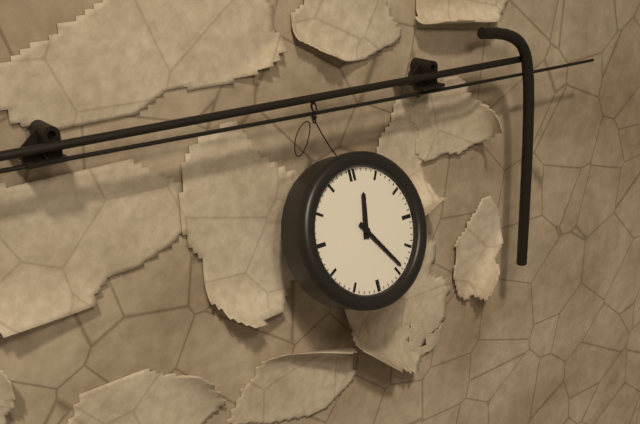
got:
12:24
